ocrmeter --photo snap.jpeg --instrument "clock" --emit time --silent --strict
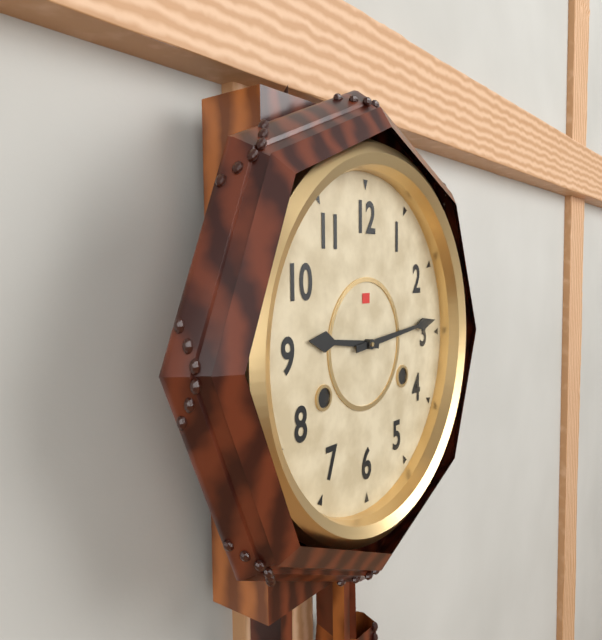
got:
9:14
